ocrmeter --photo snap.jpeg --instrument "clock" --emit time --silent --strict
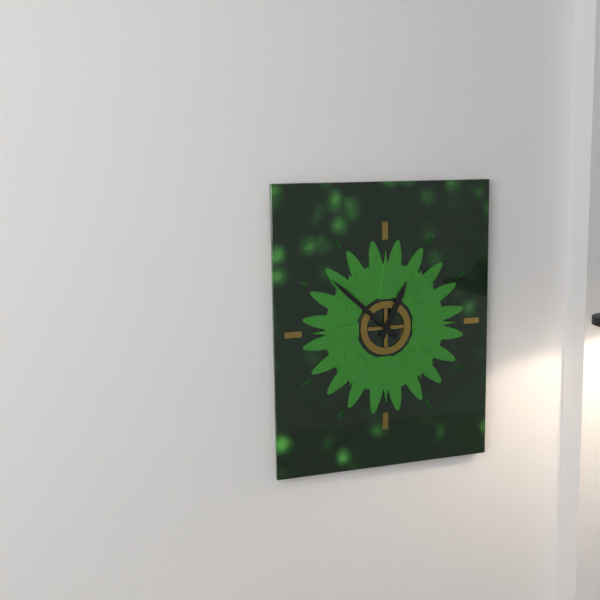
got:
12:52
